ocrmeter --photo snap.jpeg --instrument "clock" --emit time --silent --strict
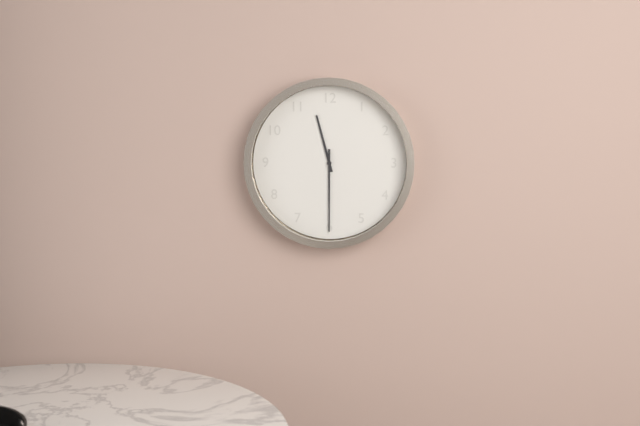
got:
11:30
